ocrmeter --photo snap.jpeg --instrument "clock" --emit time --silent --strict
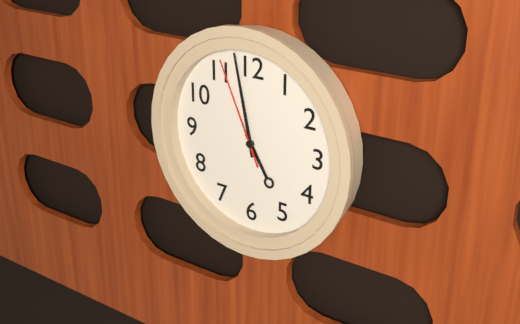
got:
4:58:56
